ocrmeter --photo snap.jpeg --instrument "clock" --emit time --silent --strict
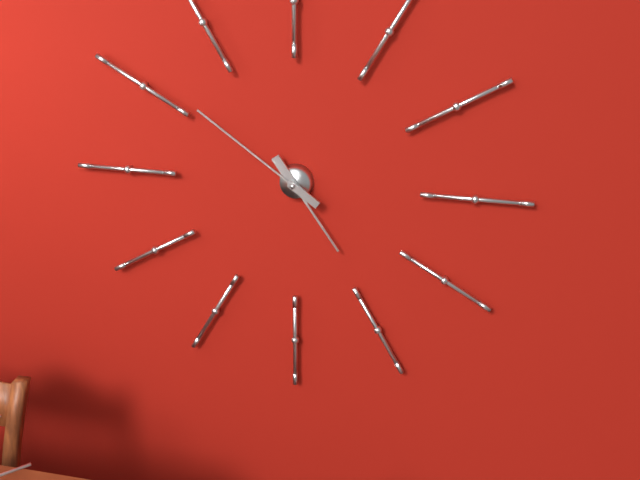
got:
4:51
